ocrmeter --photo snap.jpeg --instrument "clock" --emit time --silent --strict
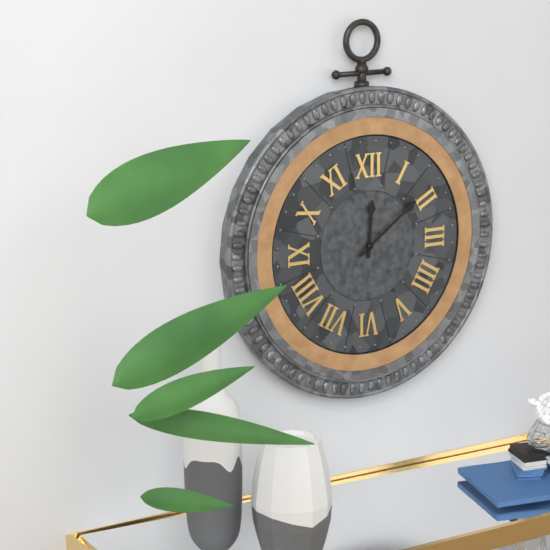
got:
12:09
